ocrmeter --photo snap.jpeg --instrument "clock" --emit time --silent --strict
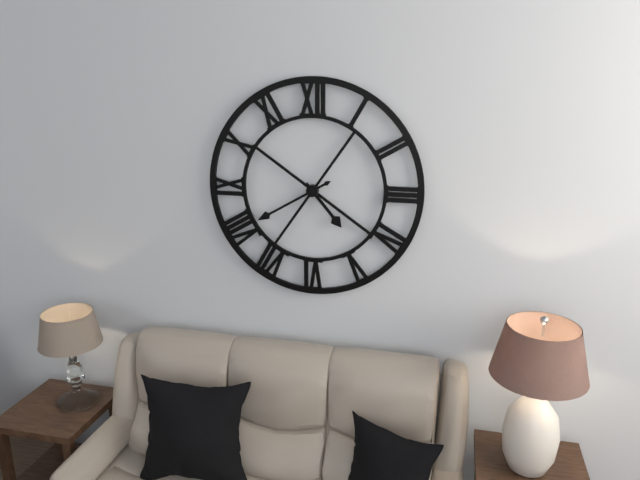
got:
4:40
